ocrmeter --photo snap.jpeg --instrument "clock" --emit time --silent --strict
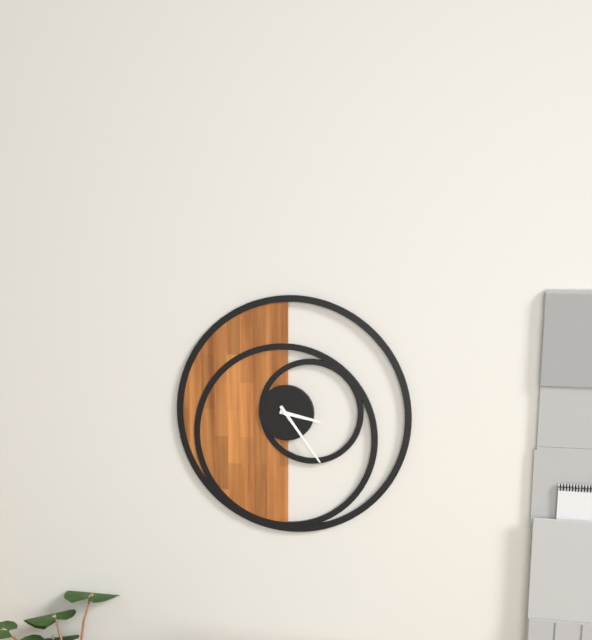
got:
3:24
